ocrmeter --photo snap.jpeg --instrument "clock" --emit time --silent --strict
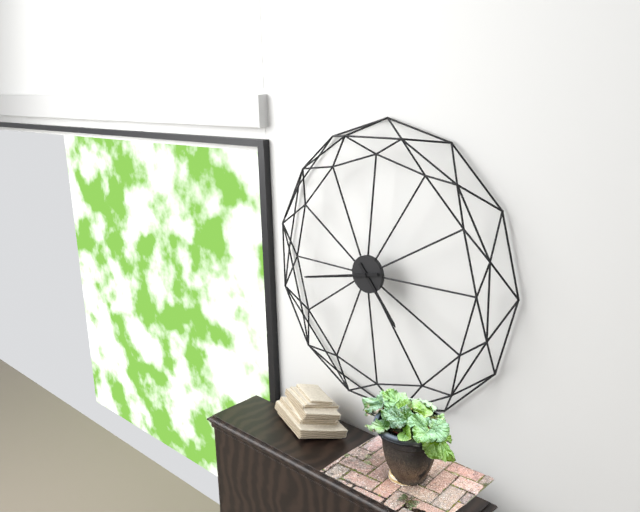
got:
4:43
